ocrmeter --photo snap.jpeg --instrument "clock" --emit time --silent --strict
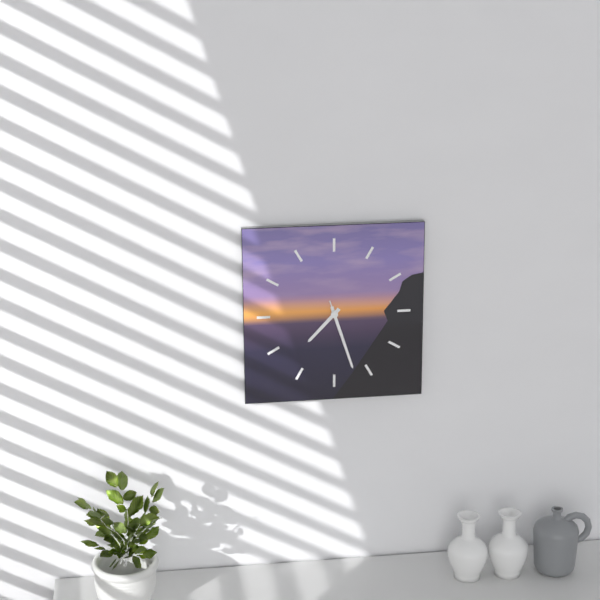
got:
7:27:27
